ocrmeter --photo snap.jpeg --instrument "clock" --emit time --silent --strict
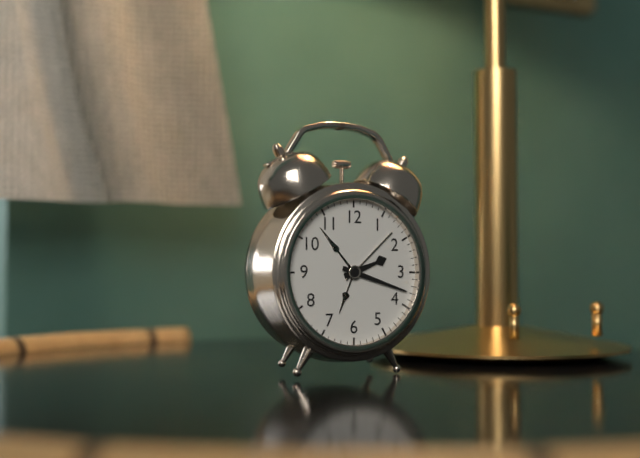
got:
2:18
